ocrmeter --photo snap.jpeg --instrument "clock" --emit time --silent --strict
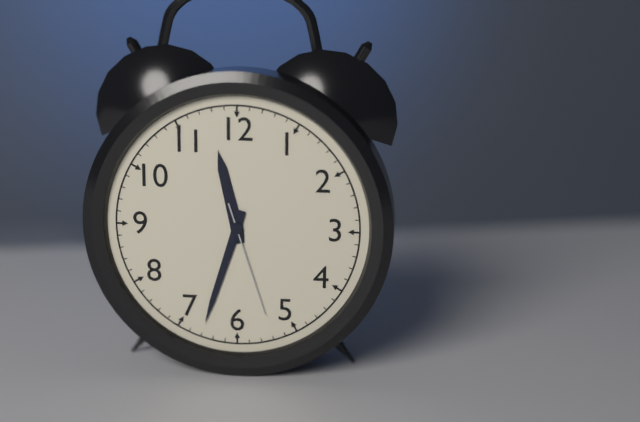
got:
11:33:27
